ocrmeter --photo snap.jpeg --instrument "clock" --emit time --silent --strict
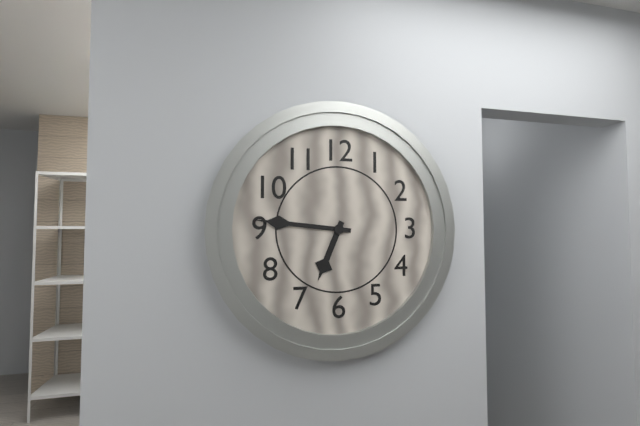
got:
6:46
